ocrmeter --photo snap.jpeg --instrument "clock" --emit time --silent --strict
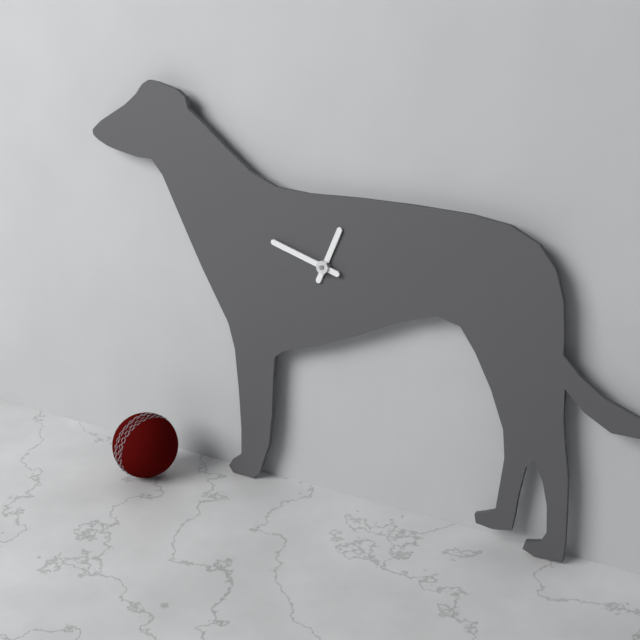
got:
12:48
